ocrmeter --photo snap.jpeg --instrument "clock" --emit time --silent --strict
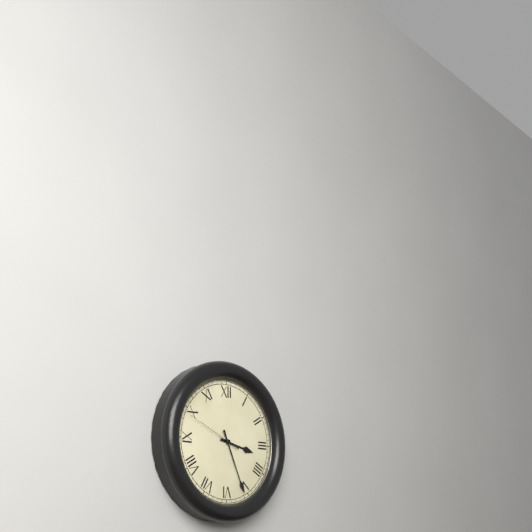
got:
3:26:49
